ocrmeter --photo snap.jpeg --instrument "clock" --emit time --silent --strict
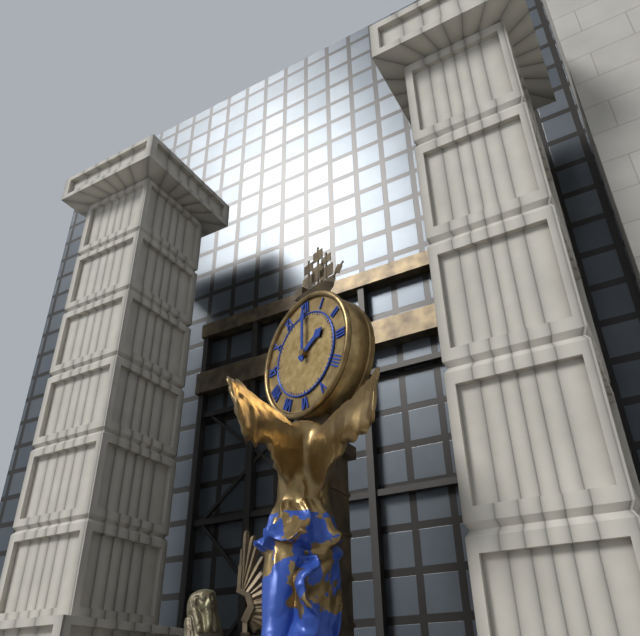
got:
2:00
